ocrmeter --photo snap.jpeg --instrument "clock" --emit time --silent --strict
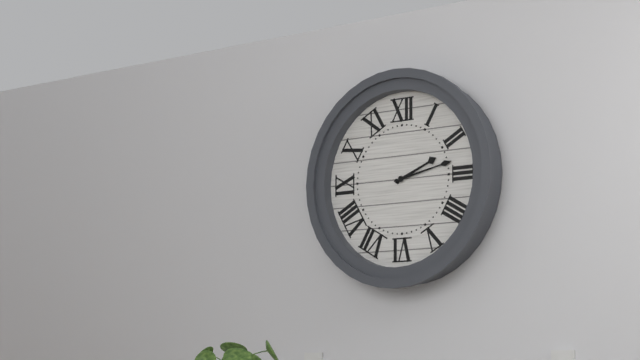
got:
2:13
